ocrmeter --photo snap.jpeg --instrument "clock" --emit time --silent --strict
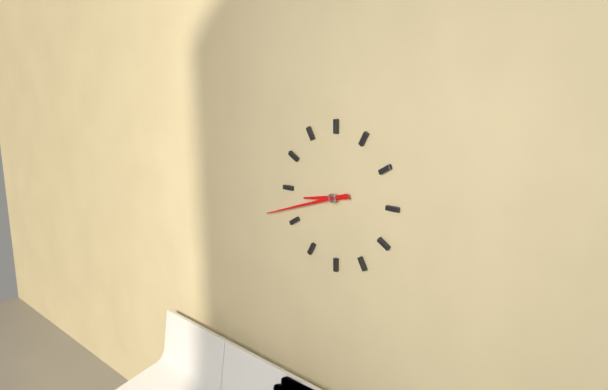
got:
8:42
